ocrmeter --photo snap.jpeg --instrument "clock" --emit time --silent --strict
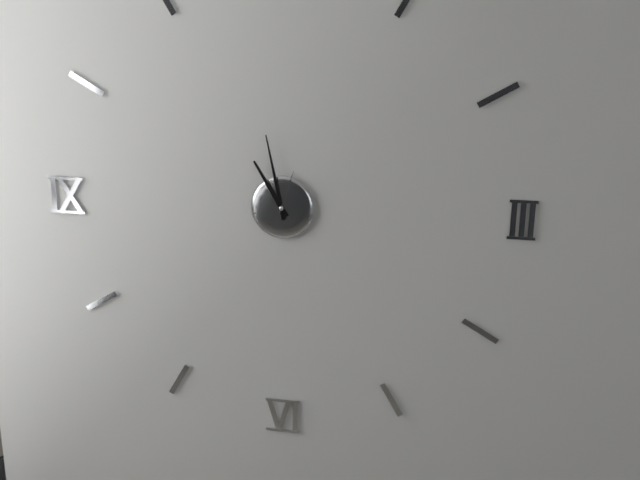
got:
10:58
